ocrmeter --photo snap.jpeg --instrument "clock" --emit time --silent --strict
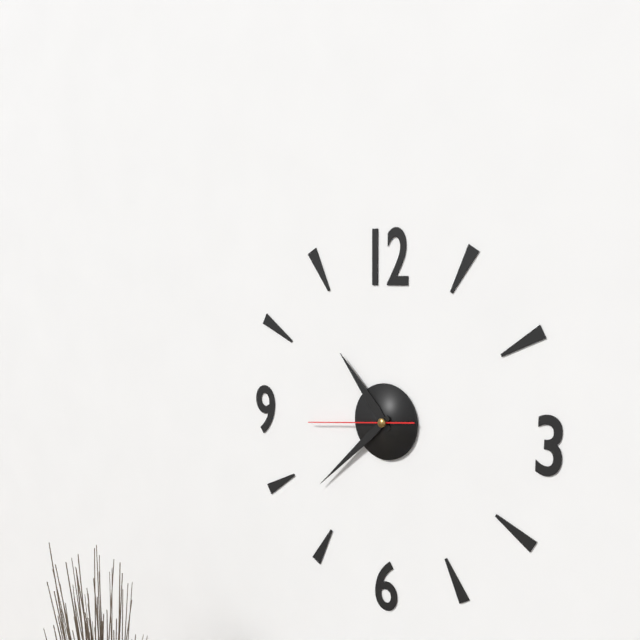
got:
10:38:44
